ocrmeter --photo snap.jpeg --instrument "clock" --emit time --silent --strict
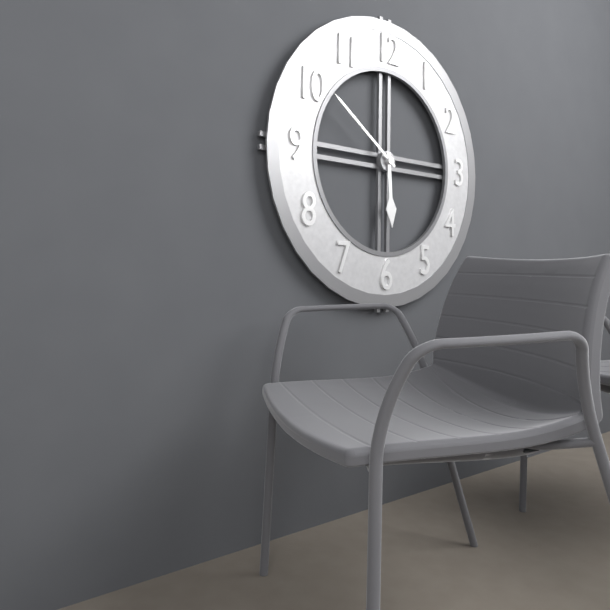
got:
5:51
